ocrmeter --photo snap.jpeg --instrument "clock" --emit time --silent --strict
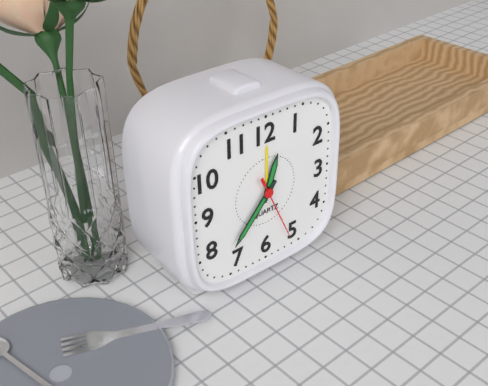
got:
12:37:26
